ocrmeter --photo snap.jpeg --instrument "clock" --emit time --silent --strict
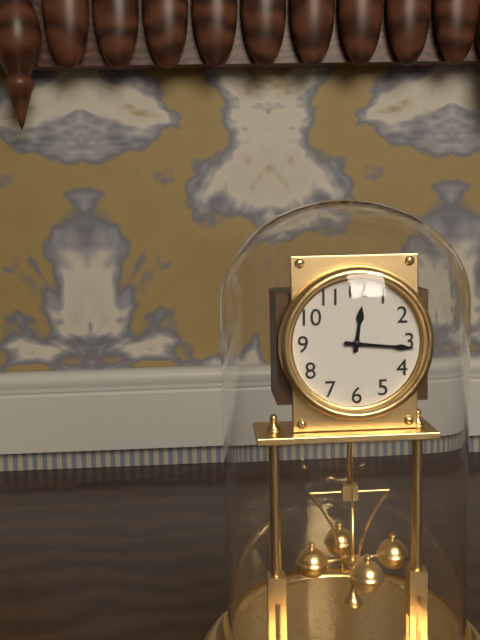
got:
12:16
